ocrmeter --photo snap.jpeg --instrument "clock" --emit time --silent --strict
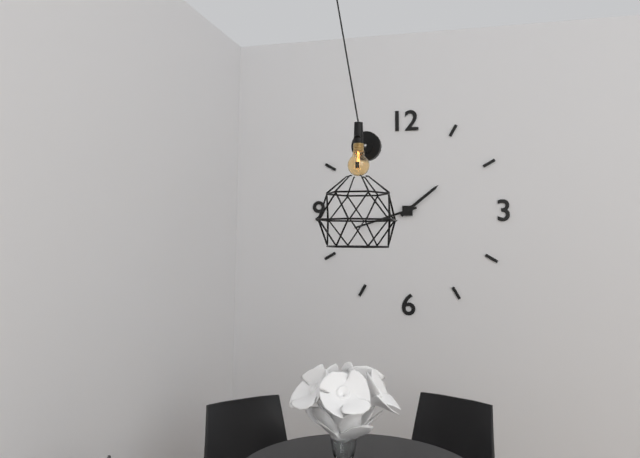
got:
1:42
